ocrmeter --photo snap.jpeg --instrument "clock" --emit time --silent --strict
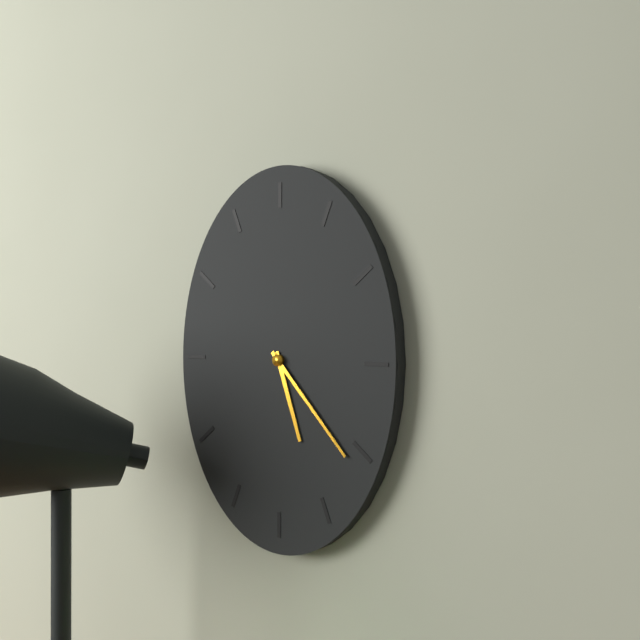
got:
5:23
